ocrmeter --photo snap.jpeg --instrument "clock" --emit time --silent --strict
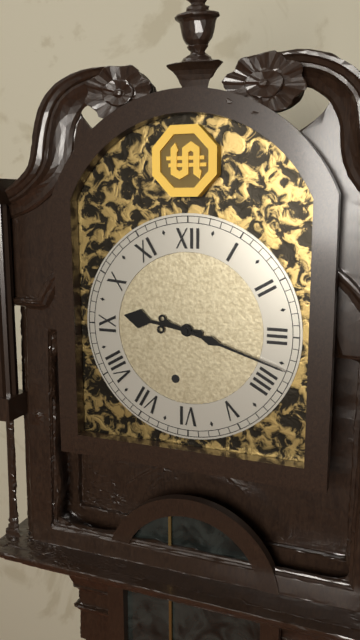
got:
9:18
